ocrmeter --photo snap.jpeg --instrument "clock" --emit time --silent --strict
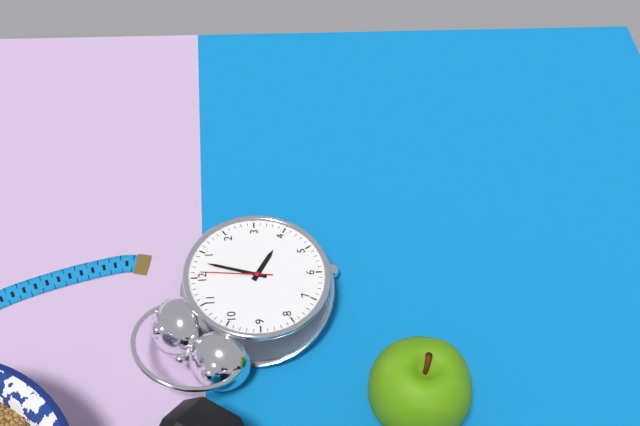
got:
4:03:01
